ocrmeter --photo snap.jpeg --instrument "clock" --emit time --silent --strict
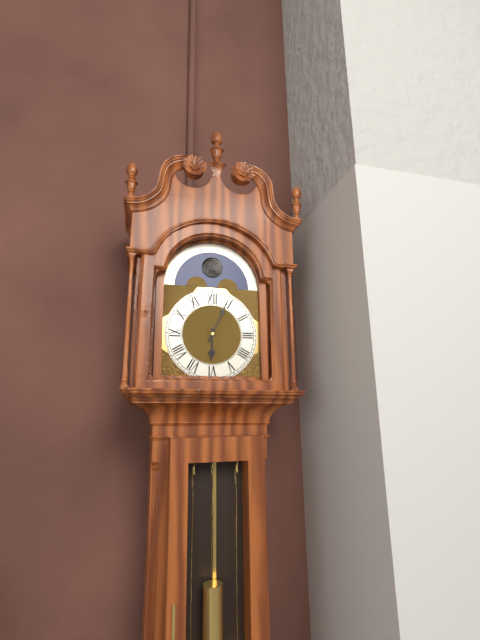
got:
6:04
